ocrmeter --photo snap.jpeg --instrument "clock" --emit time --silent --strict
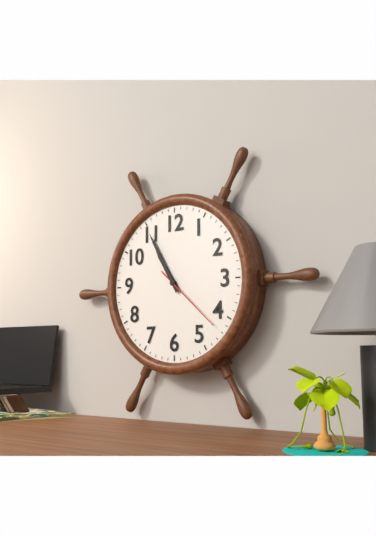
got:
10:55:22
